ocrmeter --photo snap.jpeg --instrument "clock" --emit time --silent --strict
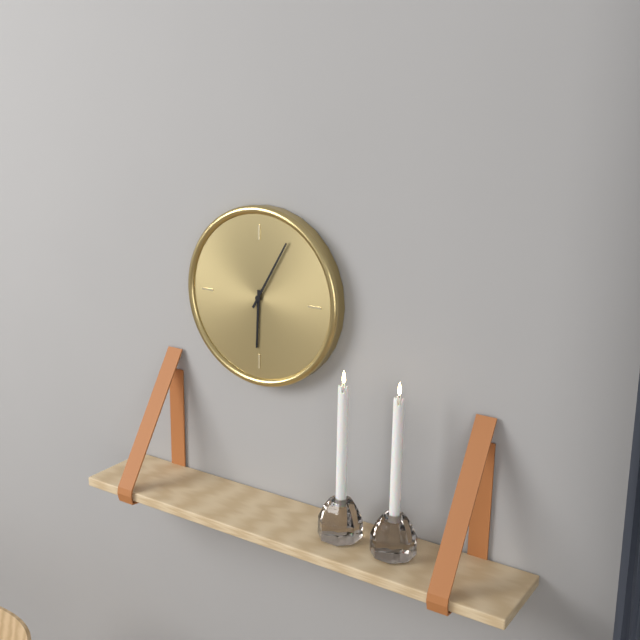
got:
6:05
